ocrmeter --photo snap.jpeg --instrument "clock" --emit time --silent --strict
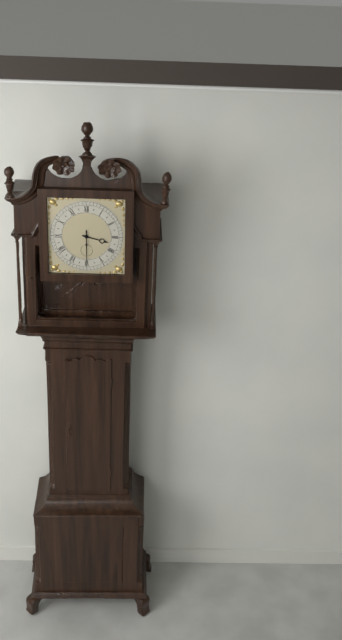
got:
3:30
